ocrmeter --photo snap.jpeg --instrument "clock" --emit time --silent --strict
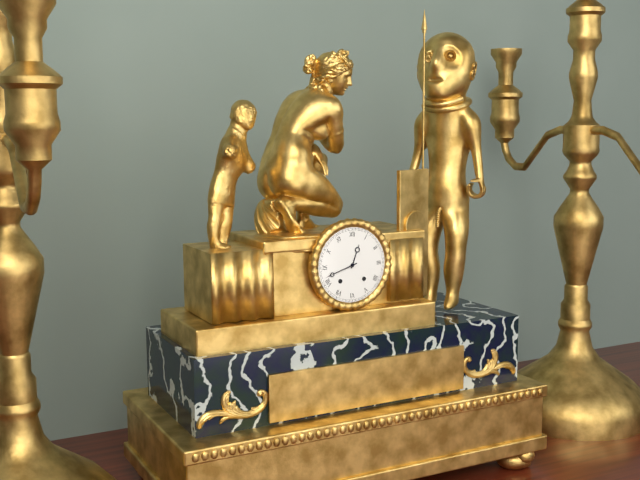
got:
12:42
